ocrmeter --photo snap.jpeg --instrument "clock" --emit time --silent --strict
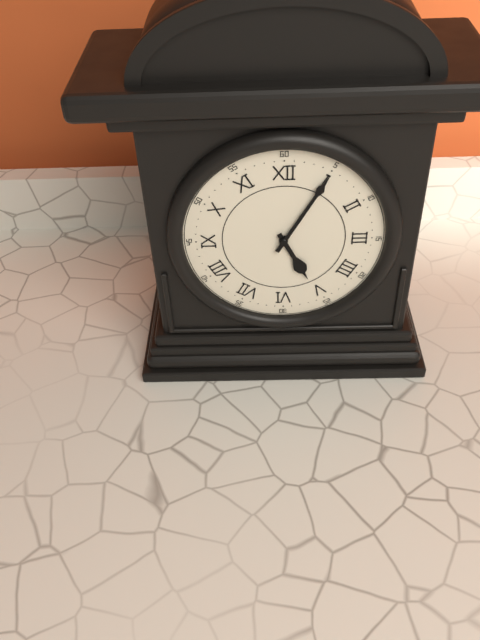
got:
5:05
